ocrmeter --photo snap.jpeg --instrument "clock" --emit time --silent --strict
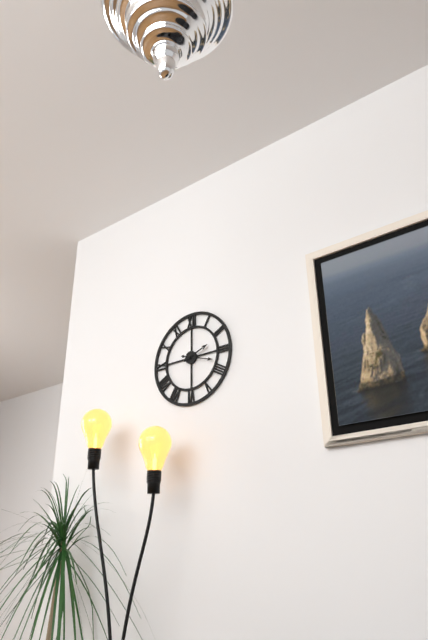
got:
2:18
